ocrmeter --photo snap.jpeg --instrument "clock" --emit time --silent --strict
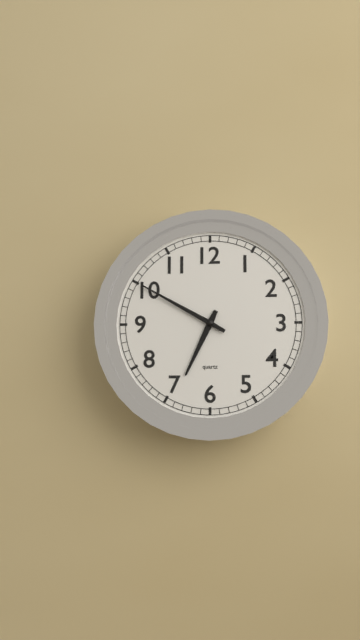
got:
6:50
